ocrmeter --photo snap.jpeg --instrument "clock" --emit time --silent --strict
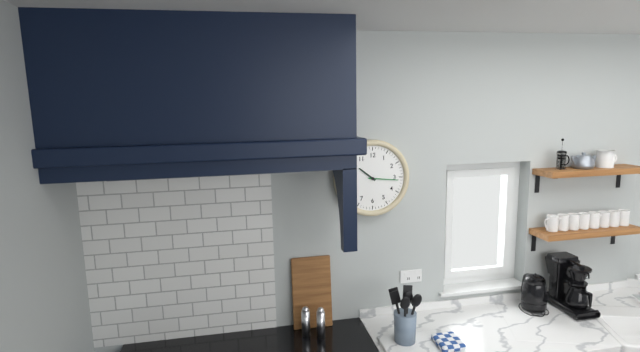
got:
10:16
